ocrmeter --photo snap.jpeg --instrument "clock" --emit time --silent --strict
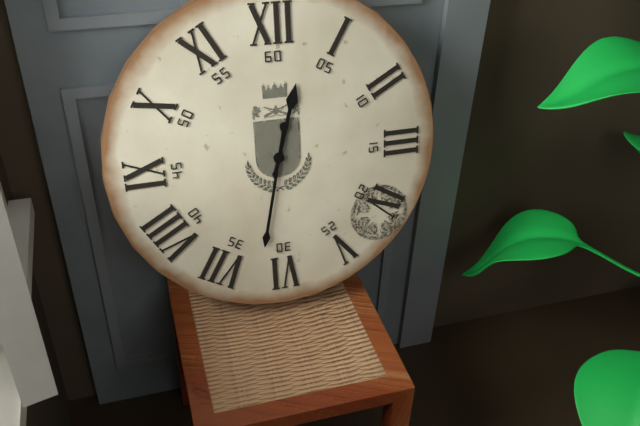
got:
12:32
